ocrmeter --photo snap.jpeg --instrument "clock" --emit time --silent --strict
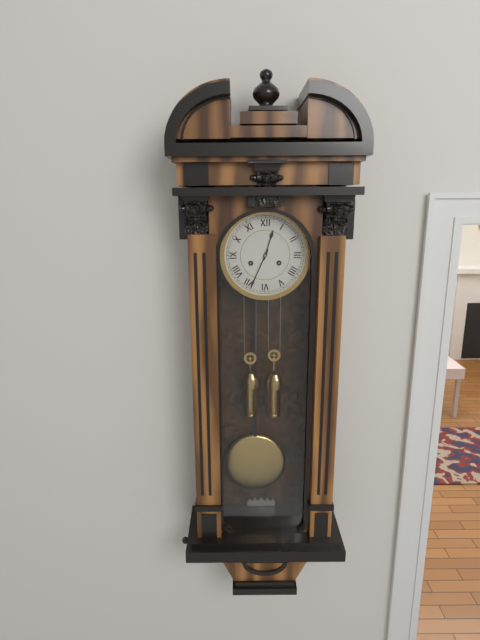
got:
12:34
